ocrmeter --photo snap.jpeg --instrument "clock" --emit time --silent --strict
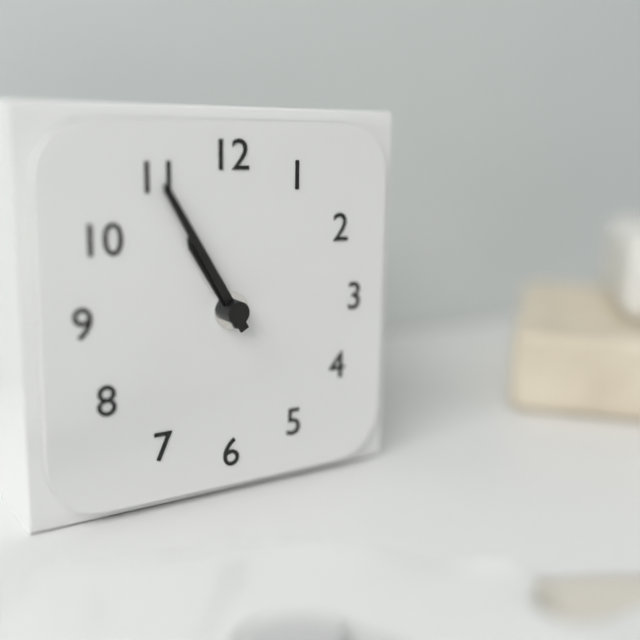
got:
10:55
